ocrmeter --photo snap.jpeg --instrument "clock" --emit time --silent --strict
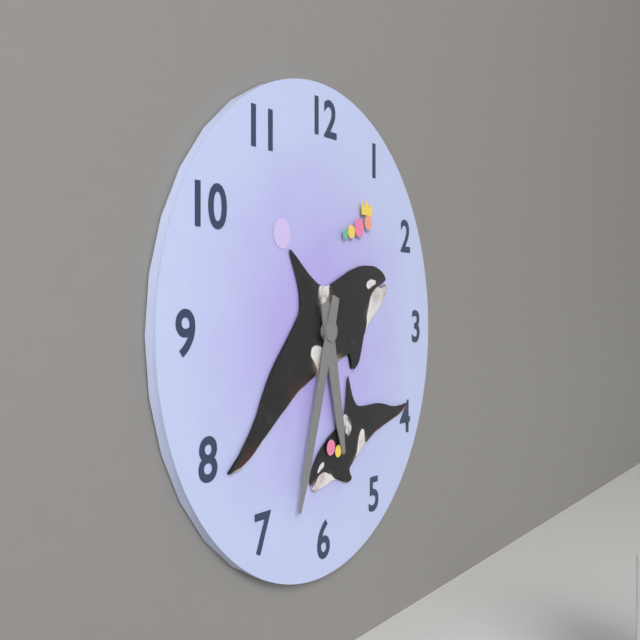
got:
5:33
